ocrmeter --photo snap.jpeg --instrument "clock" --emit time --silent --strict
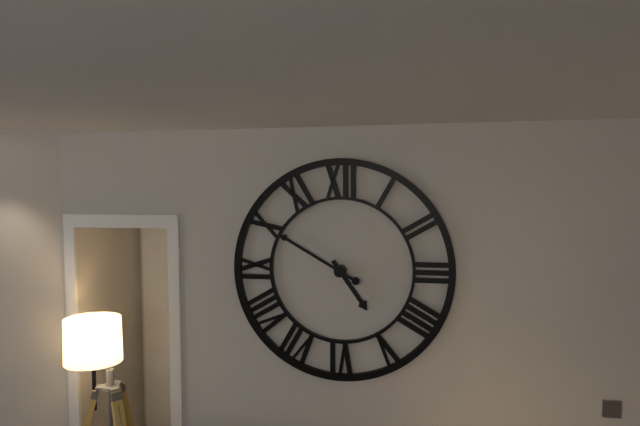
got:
4:50
